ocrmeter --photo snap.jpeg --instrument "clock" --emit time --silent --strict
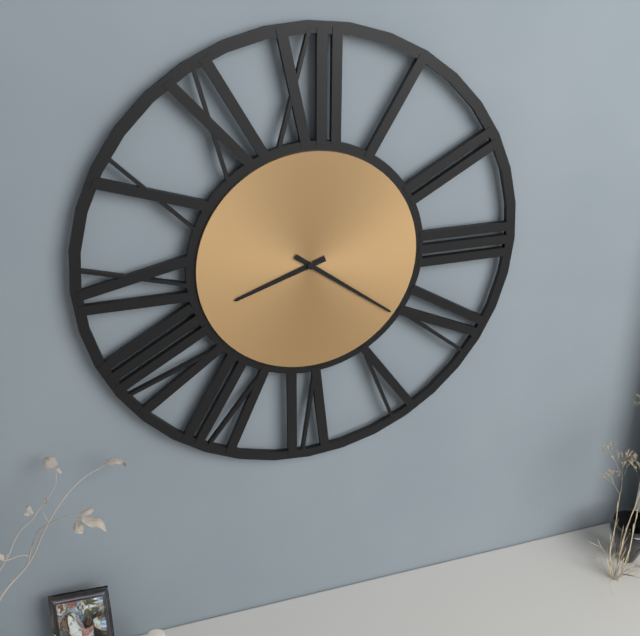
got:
8:21
